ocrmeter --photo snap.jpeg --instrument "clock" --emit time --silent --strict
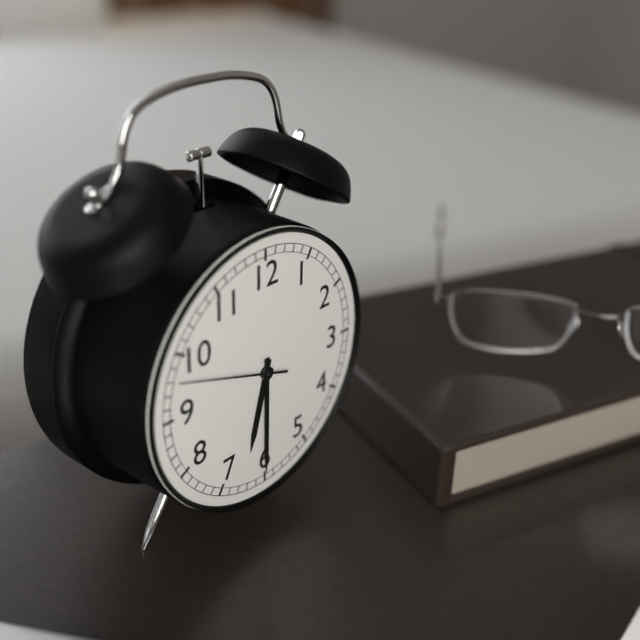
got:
6:30:48
